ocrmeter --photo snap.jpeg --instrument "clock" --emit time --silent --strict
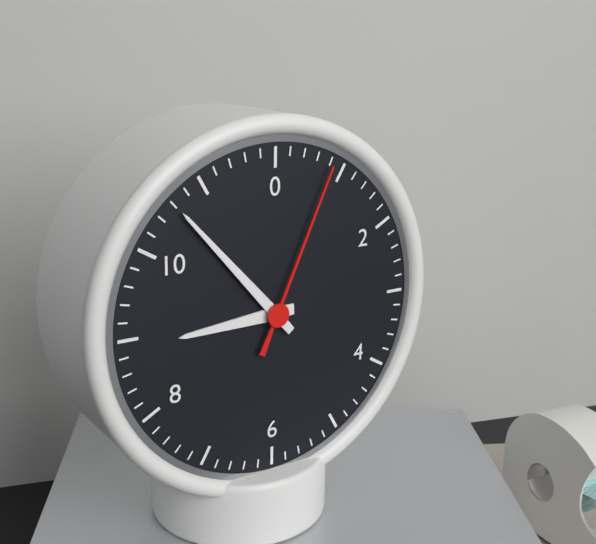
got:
8:53:04
